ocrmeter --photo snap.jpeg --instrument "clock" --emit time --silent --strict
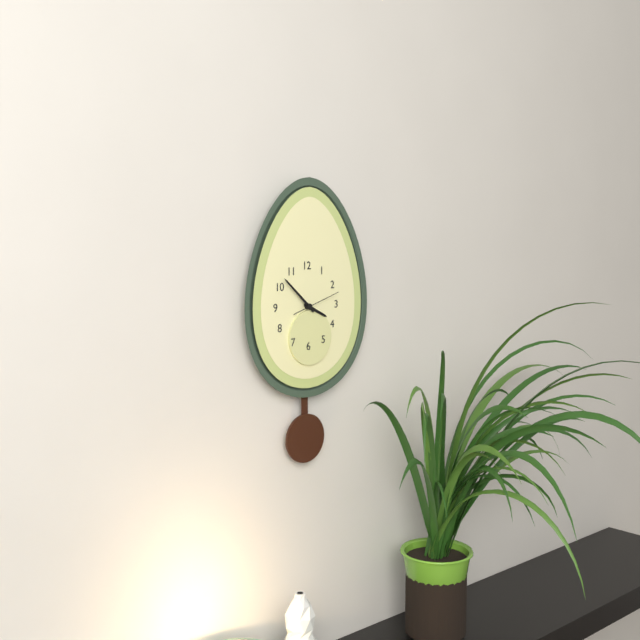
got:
3:52:12
